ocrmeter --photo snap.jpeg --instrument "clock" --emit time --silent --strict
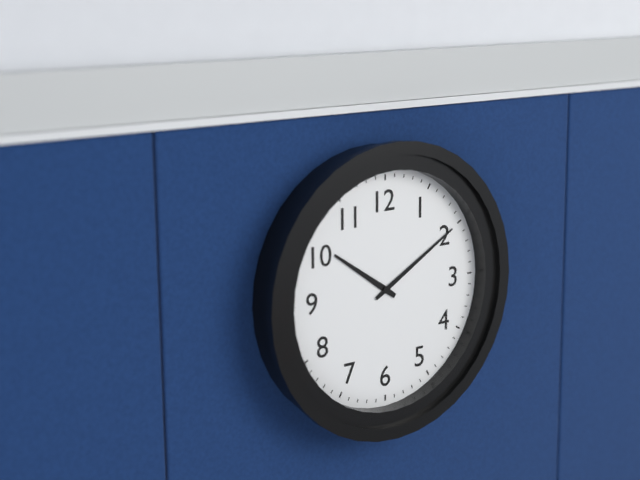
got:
10:10
